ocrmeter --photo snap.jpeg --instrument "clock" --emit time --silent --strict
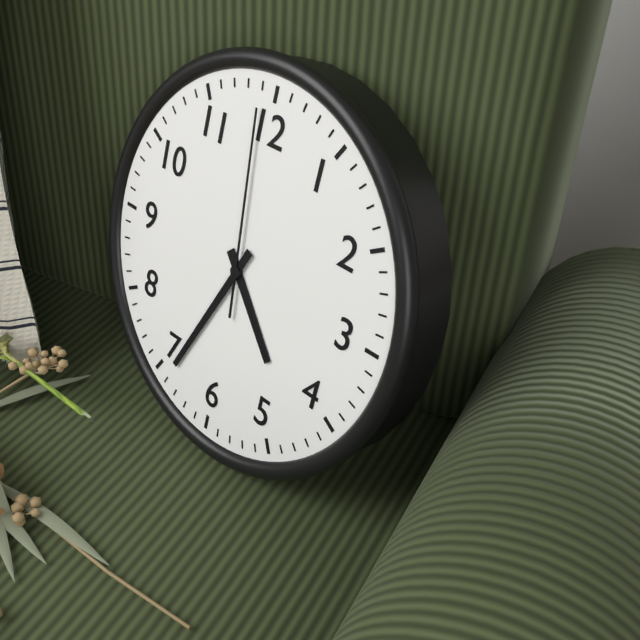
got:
4:34:59
